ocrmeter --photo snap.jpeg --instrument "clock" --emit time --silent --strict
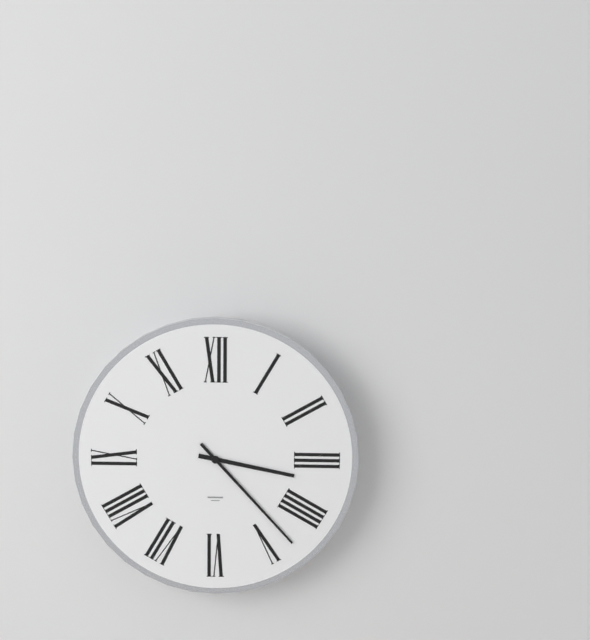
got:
3:23
